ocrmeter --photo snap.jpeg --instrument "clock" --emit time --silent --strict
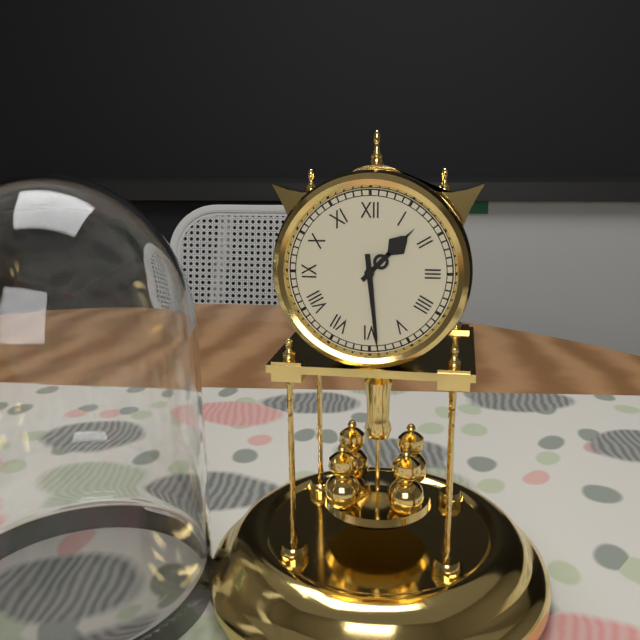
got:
1:29
